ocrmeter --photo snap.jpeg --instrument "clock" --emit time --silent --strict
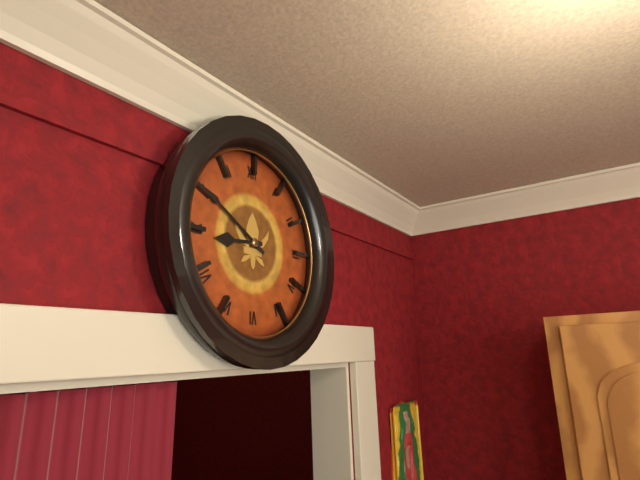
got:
8:50
